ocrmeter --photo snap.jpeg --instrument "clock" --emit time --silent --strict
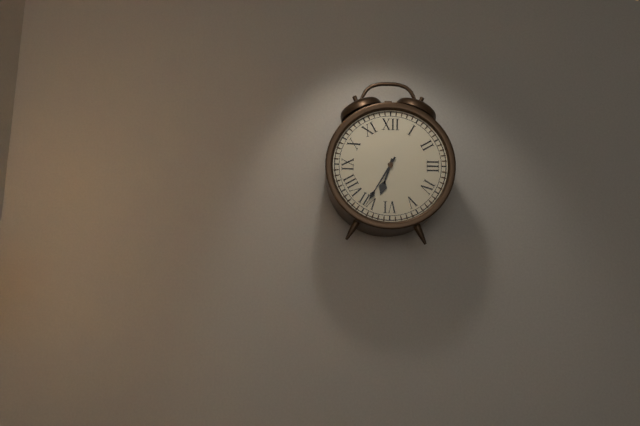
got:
6:35
